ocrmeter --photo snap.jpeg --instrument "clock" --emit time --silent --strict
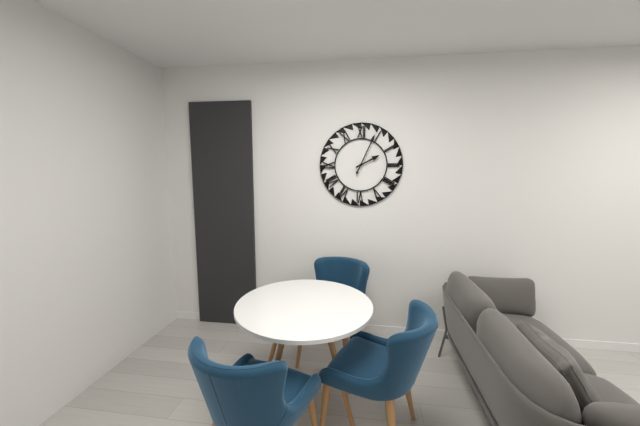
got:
2:04
